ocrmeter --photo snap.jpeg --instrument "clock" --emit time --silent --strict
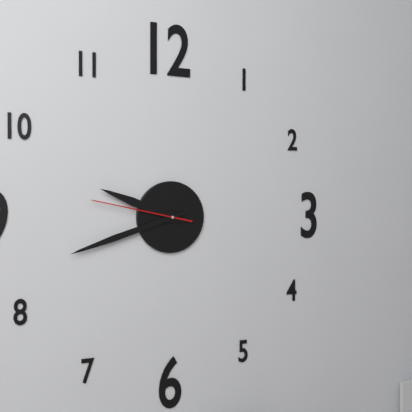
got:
9:42:47
